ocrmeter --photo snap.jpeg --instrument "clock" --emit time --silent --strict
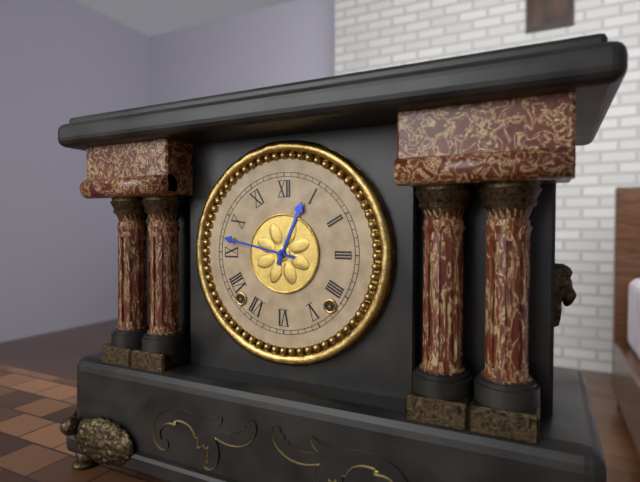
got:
12:47
